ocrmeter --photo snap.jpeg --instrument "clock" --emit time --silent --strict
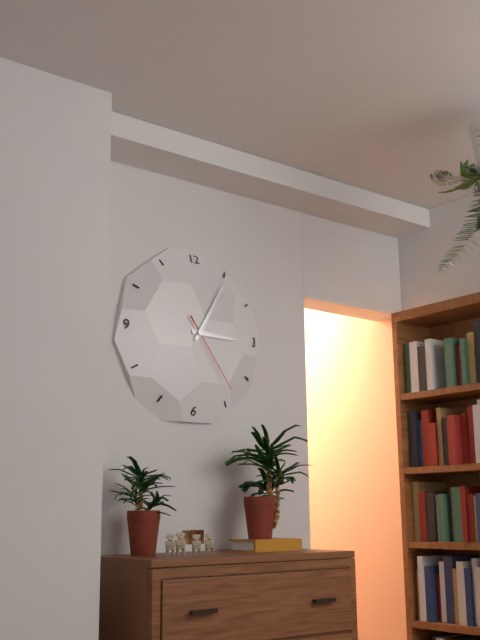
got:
3:05:24
